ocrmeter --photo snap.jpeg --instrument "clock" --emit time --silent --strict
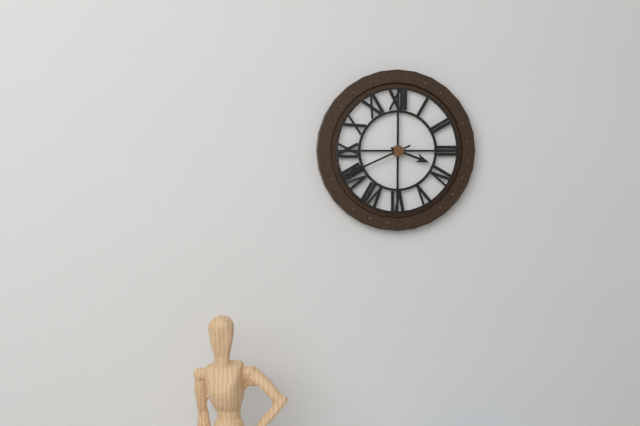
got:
3:41
